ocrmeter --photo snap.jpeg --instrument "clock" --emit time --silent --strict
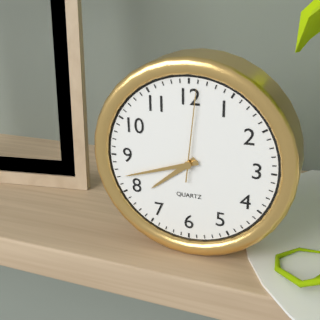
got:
7:42:01
